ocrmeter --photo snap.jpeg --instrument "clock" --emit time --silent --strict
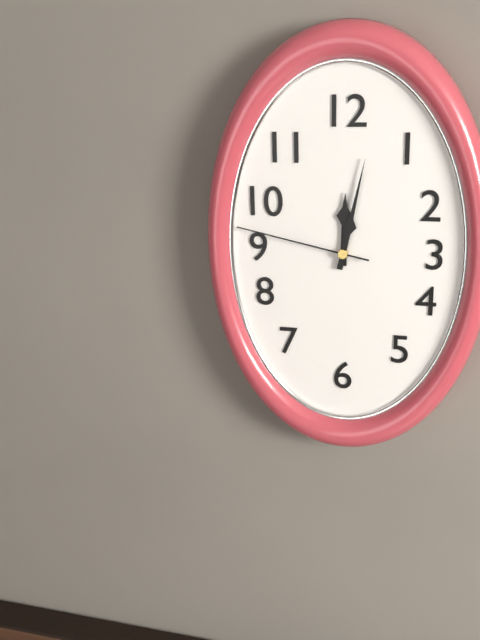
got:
12:02:47
